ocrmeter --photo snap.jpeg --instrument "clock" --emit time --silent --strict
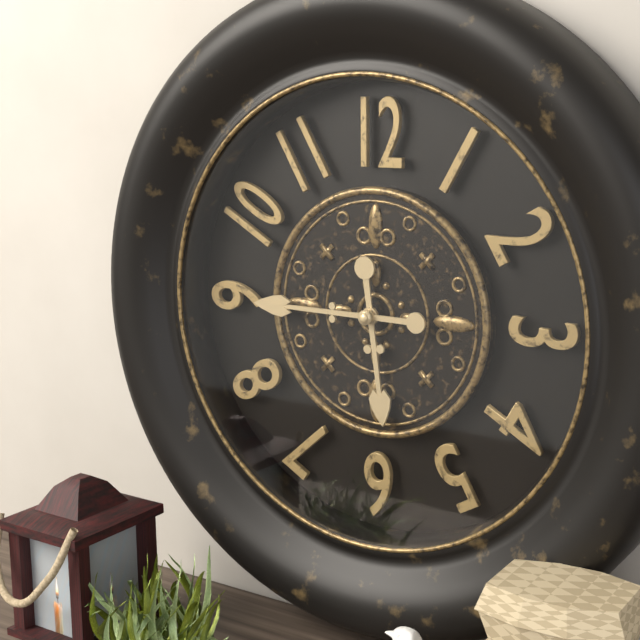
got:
5:45
